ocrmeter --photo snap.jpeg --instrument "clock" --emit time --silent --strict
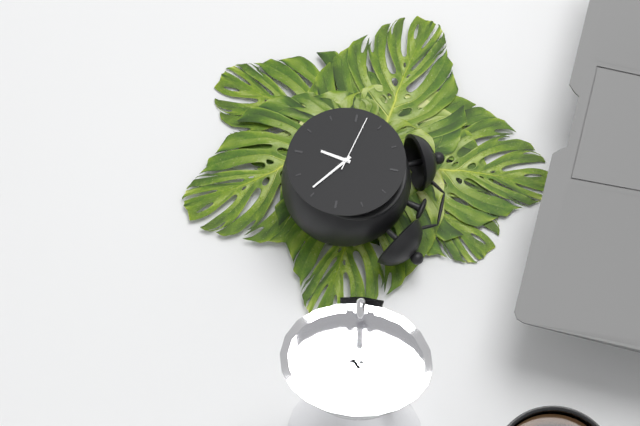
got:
6:21:47
